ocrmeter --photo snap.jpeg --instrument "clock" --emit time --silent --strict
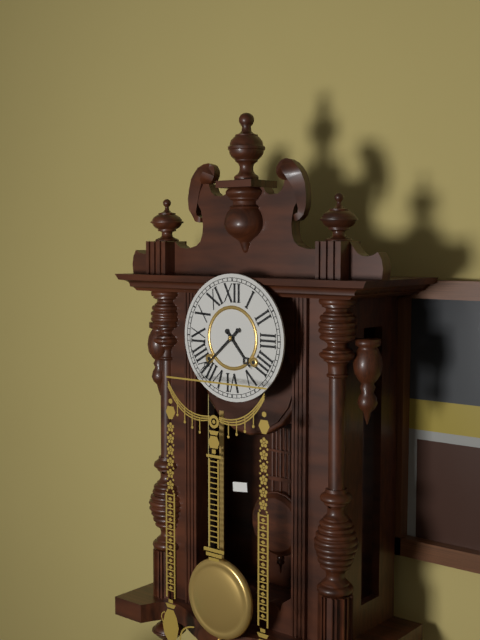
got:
4:38
